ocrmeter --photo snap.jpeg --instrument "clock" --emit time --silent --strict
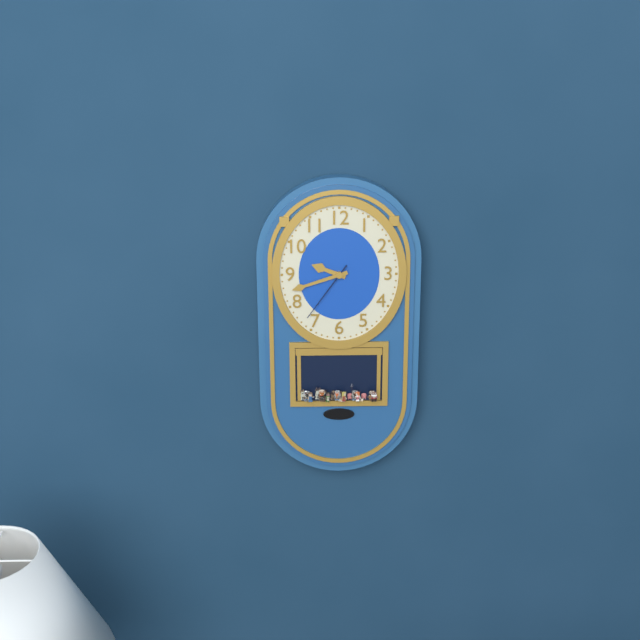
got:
9:42:36
